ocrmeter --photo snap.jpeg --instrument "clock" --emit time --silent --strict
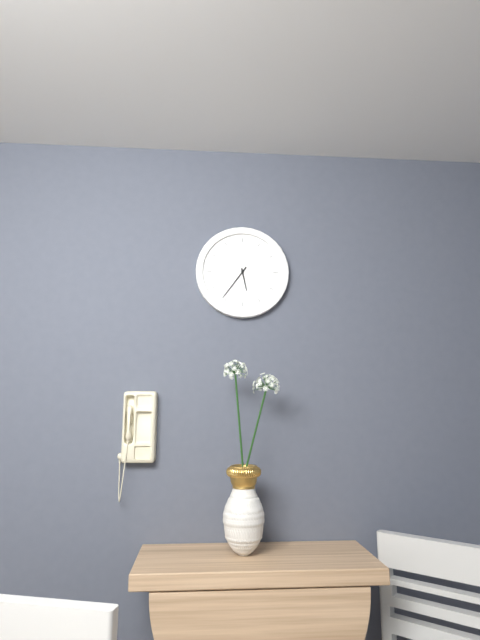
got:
5:36
